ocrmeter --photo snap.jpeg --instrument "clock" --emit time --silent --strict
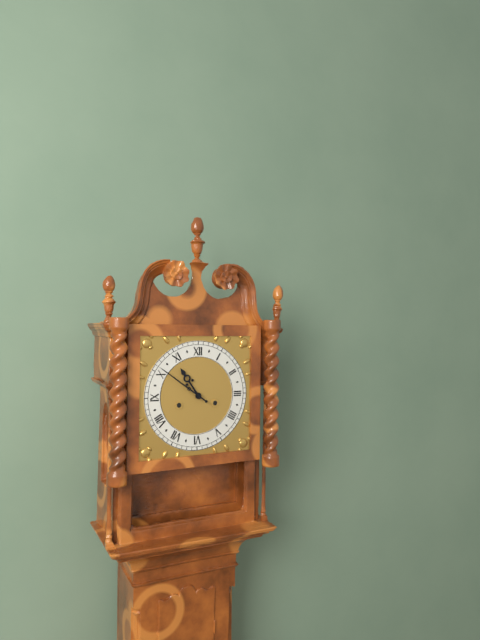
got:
10:51
